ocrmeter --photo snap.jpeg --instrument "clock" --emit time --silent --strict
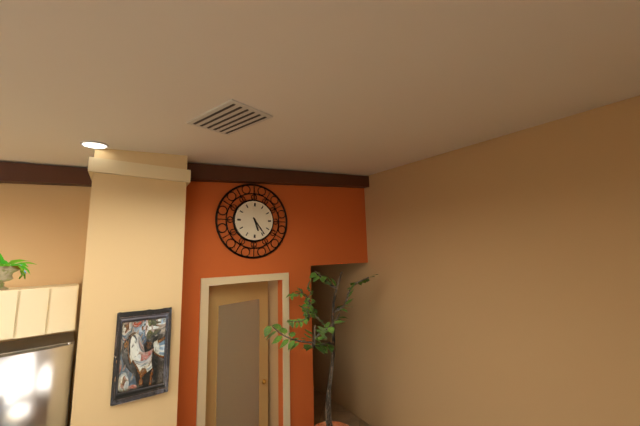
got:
5:24
